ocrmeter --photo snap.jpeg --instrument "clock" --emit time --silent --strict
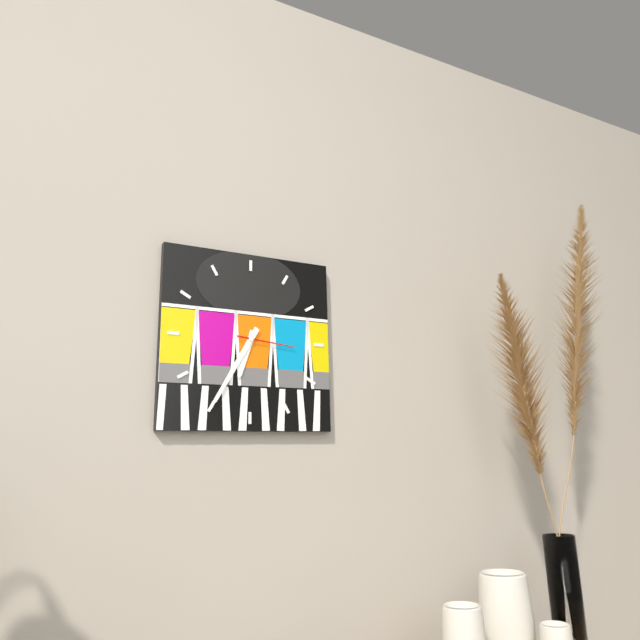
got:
6:35:16
